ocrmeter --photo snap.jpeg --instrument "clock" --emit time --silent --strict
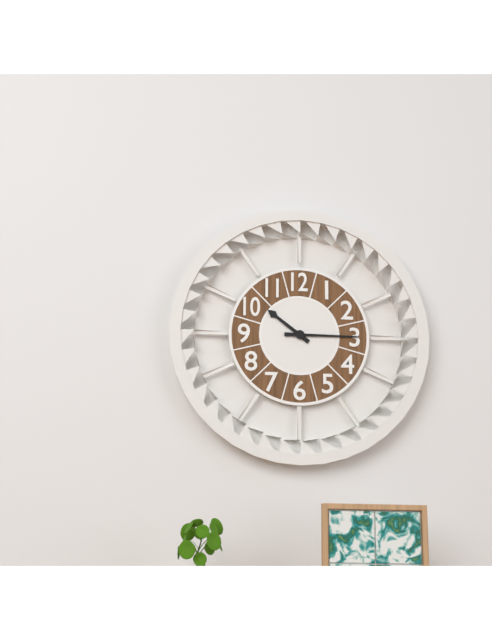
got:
10:15
